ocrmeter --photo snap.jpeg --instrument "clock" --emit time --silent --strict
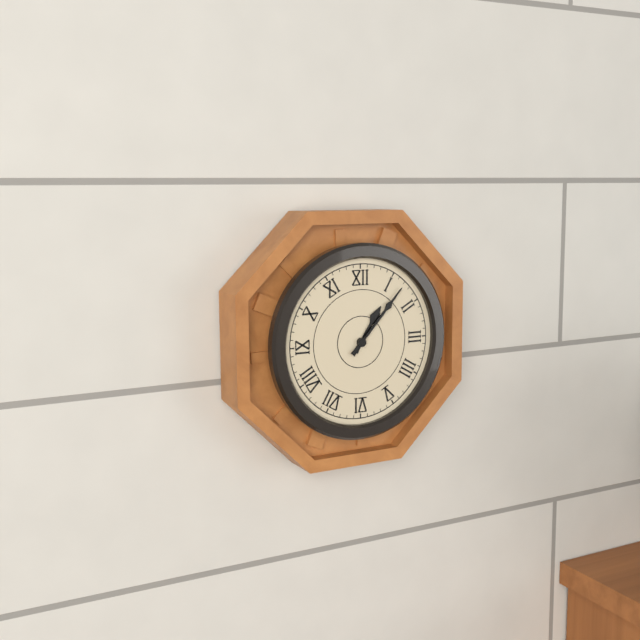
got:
1:07
